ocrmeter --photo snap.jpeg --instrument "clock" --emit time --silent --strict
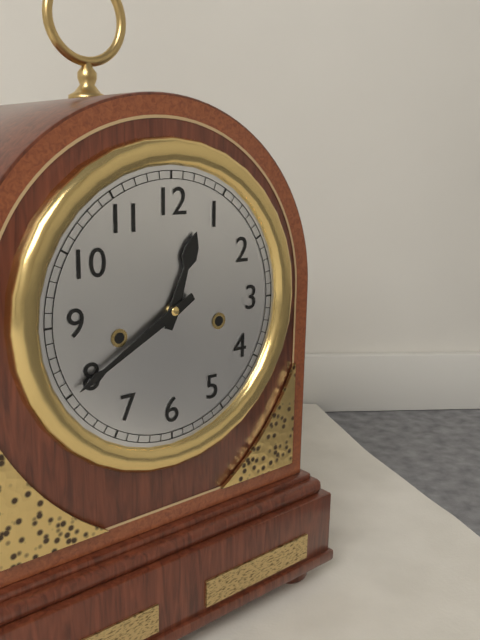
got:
12:40
